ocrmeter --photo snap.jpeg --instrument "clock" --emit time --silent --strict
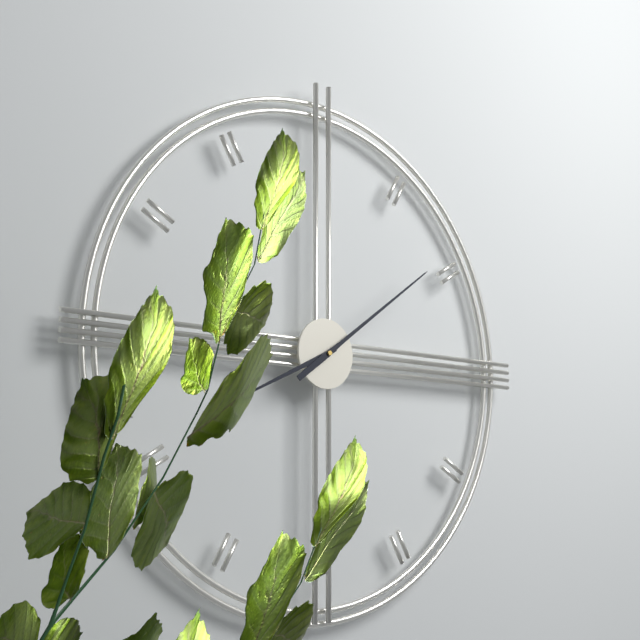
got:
8:09
